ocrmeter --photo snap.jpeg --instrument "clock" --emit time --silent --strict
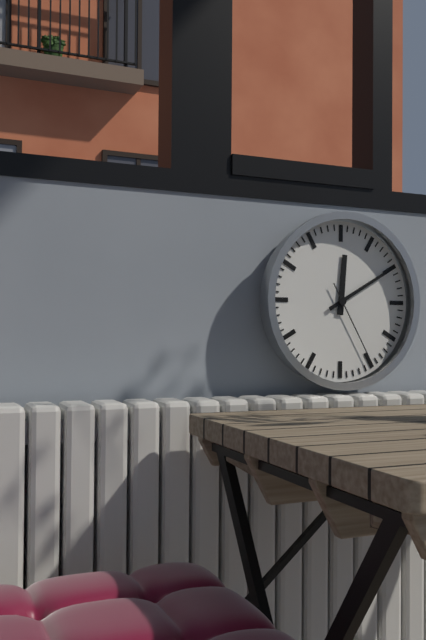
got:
12:10:25
